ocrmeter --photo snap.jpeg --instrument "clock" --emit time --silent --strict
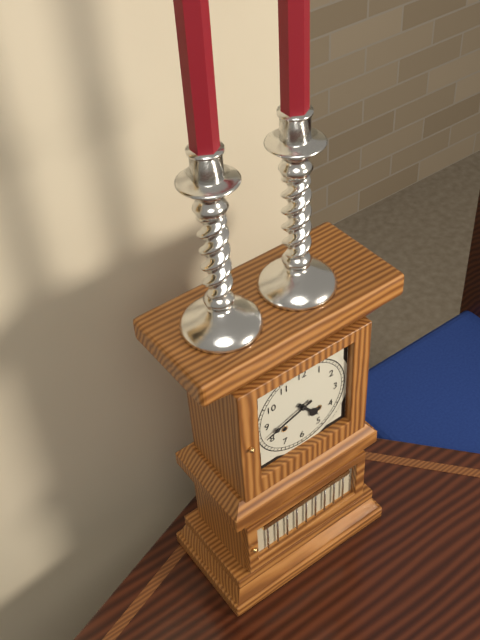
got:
4:42
